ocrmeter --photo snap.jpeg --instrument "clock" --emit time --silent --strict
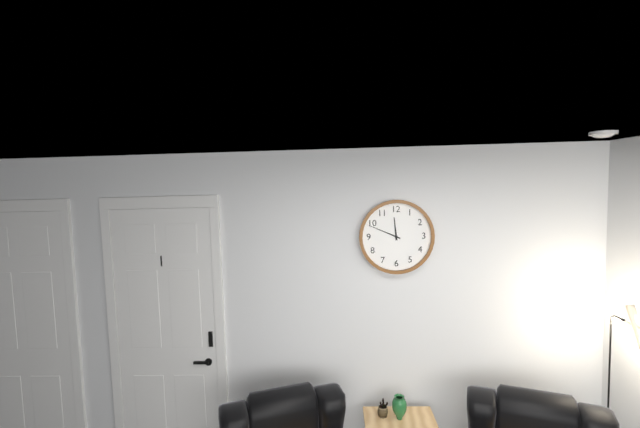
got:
11:49
